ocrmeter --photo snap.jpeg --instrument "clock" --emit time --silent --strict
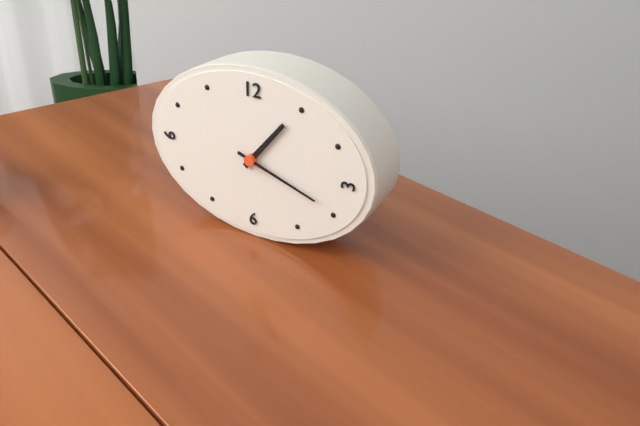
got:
1:18
